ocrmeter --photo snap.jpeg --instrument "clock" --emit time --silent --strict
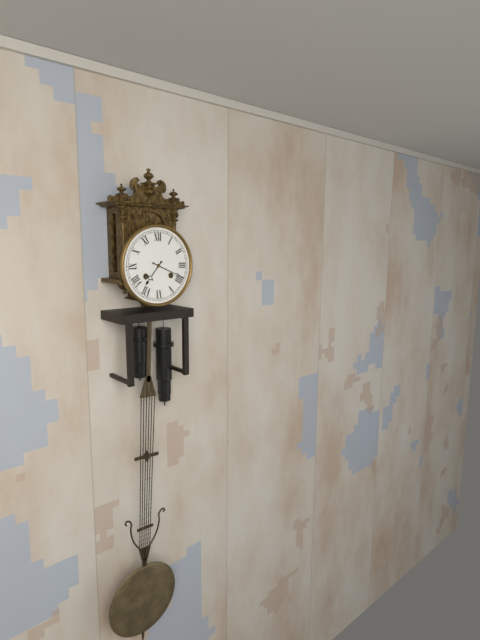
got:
7:19
